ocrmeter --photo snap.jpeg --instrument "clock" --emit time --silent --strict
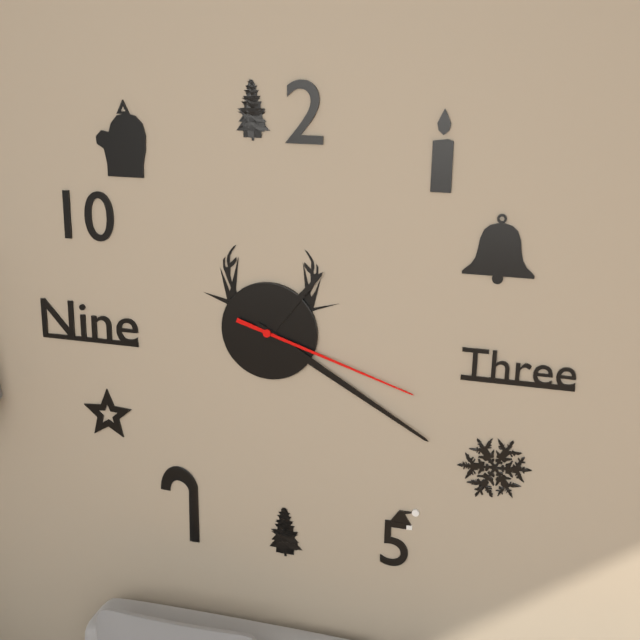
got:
1:20:18
